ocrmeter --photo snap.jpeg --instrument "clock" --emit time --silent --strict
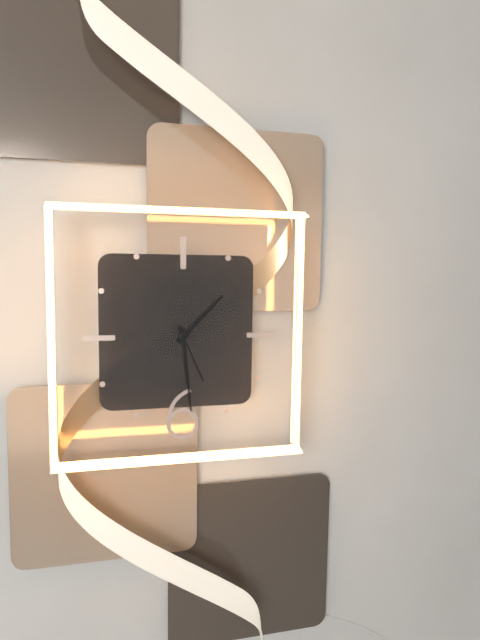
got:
1:29:26
